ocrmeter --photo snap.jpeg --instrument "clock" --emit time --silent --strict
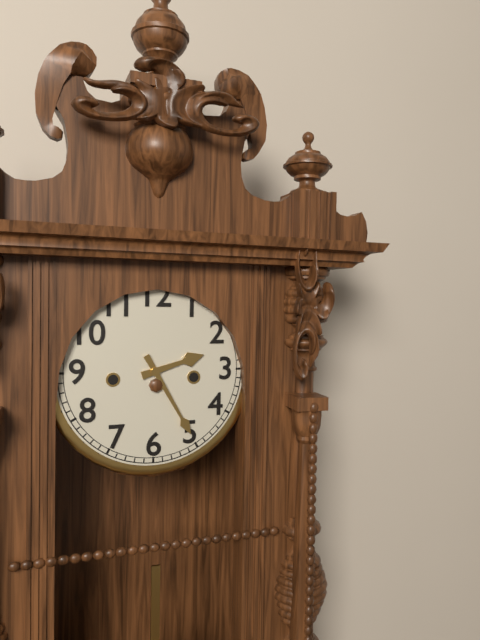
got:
2:25
